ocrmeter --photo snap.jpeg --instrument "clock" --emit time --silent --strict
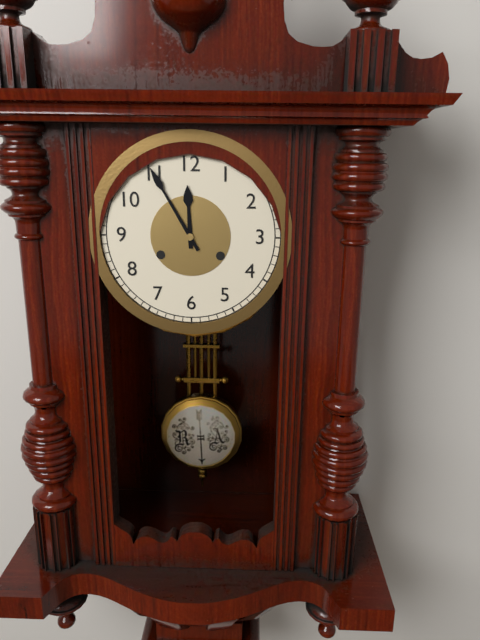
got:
11:55
